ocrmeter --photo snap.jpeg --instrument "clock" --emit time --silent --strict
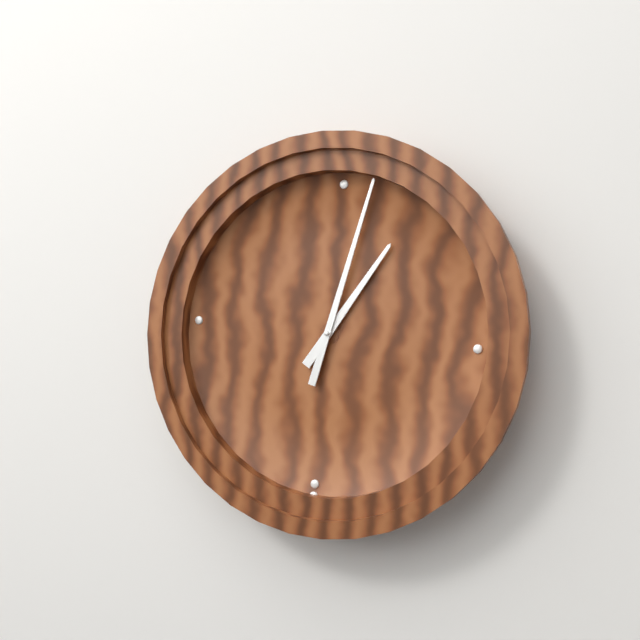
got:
1:02
